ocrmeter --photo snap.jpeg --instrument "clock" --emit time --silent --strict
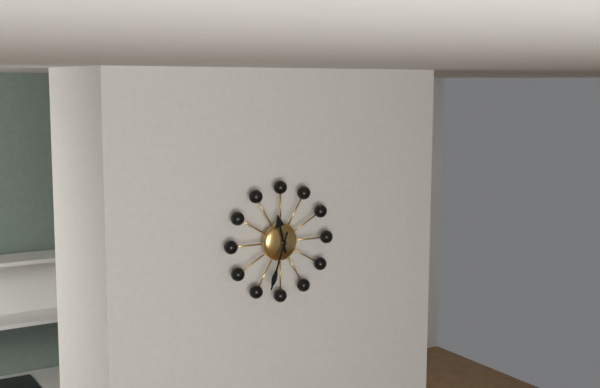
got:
11:33
